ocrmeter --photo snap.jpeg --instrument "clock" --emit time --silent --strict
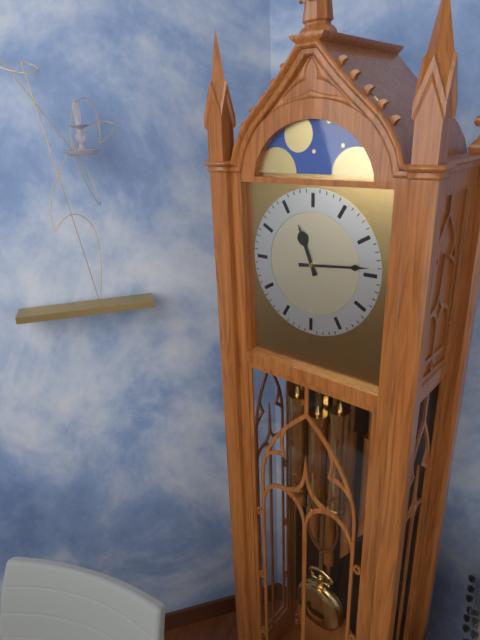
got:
11:14
